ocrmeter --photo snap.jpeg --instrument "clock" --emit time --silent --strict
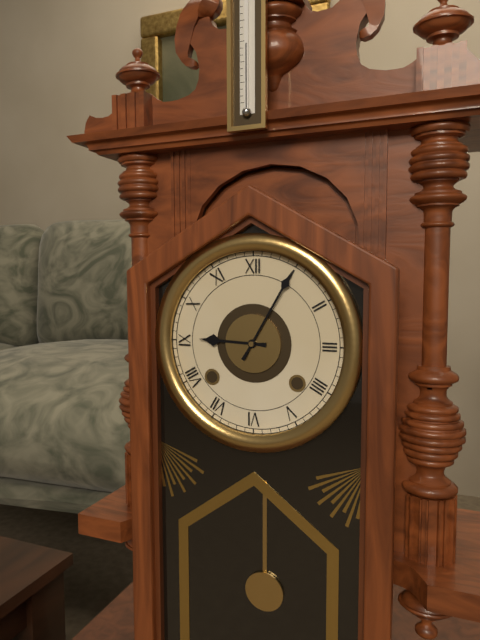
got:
9:05
